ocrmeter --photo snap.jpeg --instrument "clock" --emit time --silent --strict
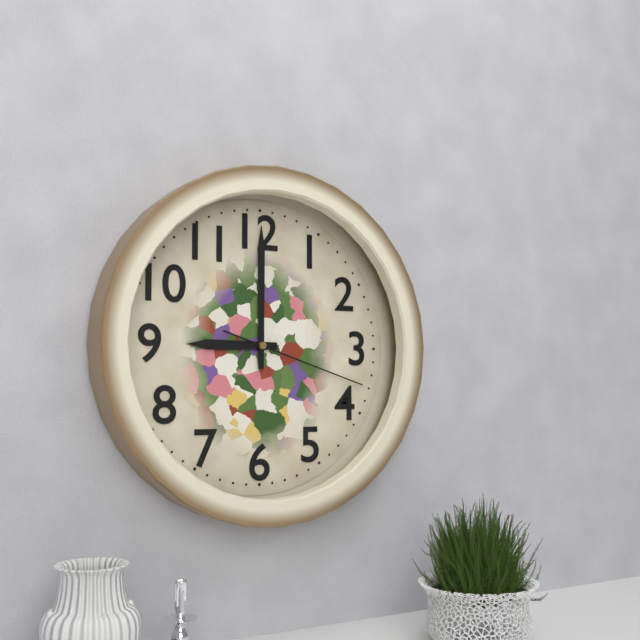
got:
9:00:18
